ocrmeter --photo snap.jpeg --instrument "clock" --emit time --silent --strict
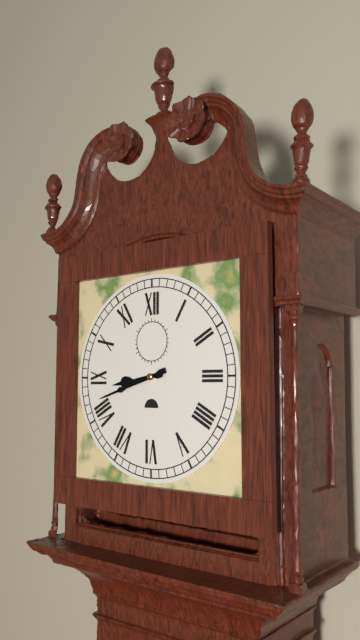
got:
8:42
